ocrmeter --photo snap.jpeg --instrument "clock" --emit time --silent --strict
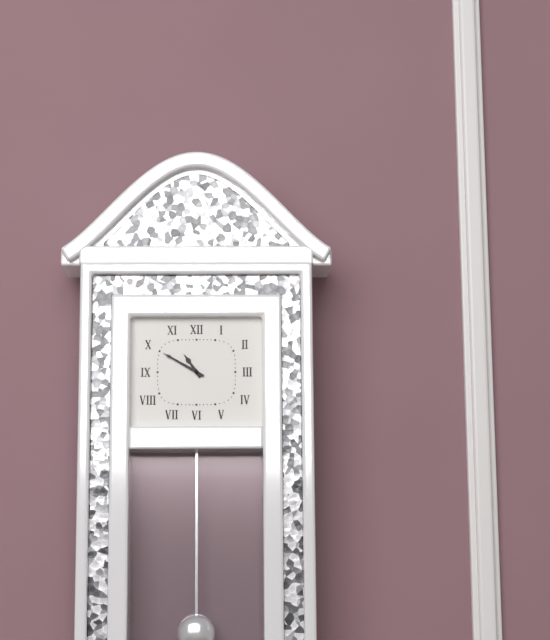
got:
10:50
